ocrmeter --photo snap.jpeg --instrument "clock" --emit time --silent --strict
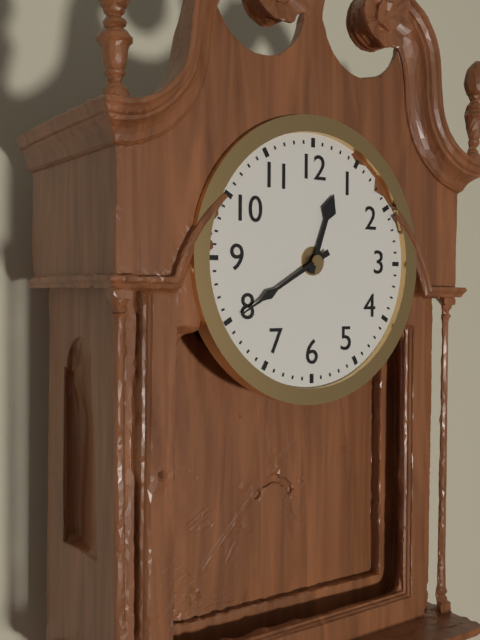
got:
12:40
